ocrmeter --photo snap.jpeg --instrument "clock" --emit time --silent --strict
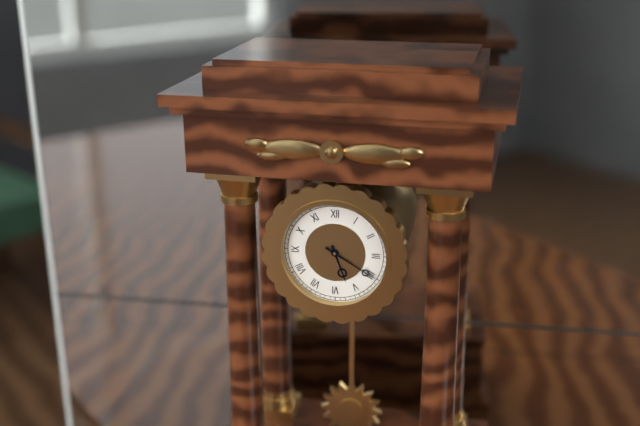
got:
5:20
